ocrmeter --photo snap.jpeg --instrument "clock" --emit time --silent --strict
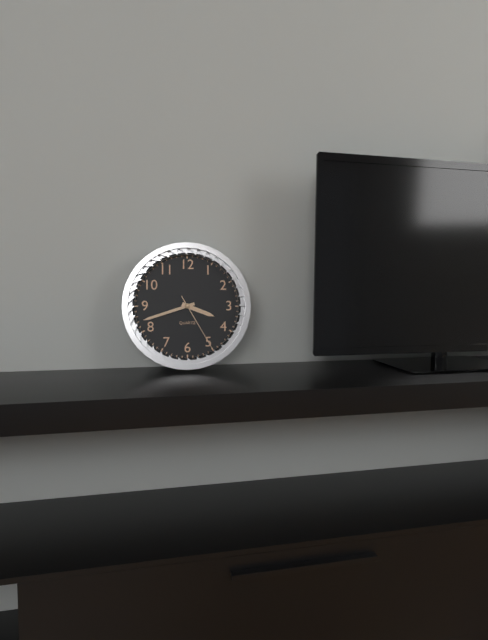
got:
3:42:25
